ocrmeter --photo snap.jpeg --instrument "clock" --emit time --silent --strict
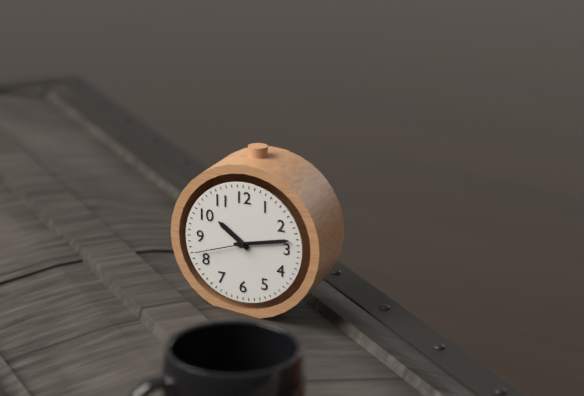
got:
10:13:42
